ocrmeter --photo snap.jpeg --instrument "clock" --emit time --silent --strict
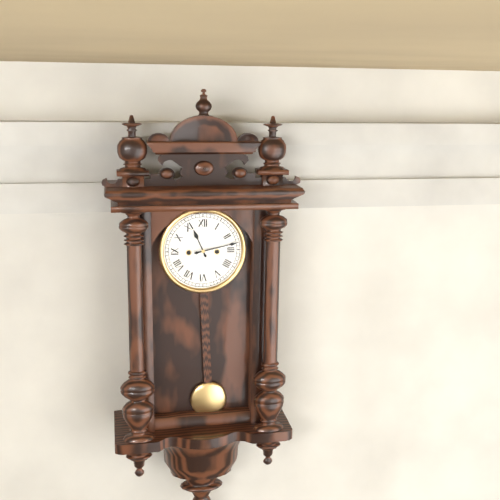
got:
11:13
